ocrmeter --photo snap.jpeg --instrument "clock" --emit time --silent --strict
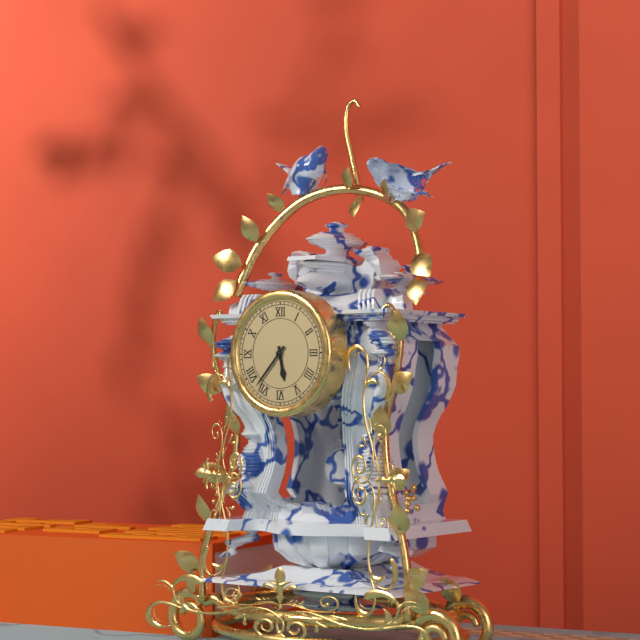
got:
5:37
